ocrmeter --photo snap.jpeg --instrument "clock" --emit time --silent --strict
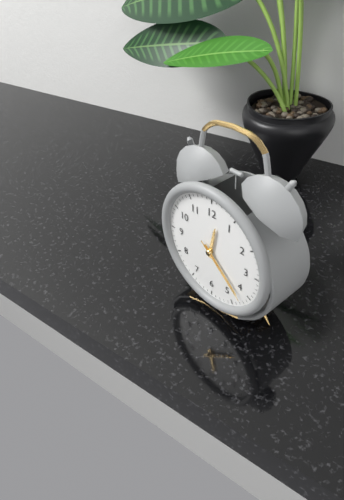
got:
12:22:22
